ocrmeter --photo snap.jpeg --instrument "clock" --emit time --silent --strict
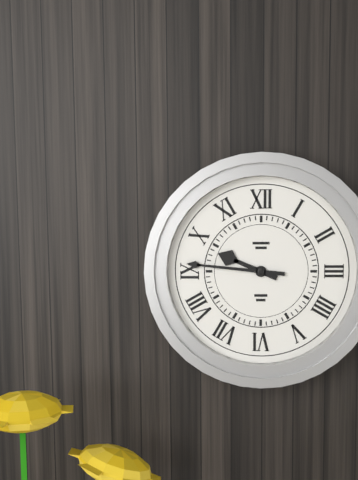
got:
9:46
